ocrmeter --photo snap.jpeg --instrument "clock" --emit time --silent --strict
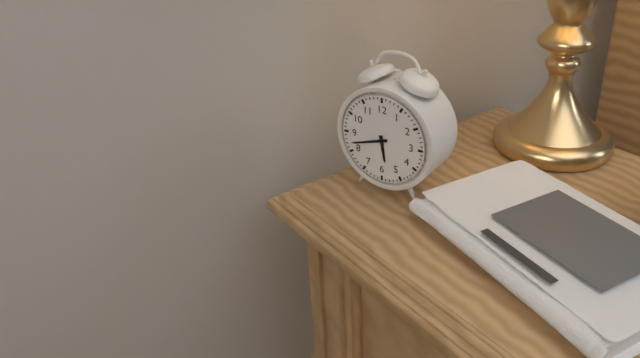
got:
5:42
